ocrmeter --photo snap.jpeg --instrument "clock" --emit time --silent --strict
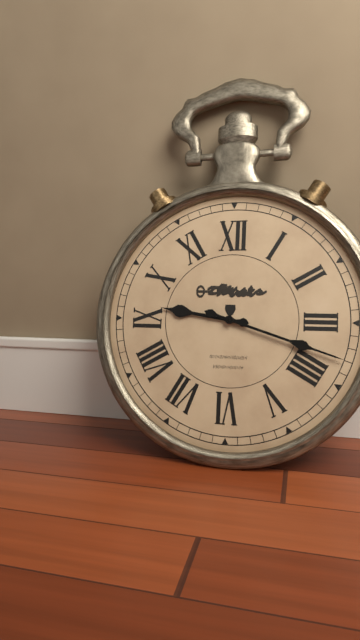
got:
9:18
